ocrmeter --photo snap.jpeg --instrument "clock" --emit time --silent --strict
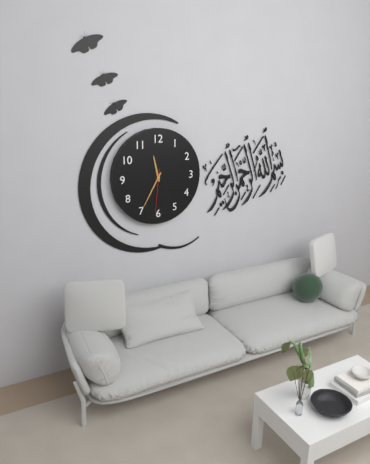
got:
11:35
